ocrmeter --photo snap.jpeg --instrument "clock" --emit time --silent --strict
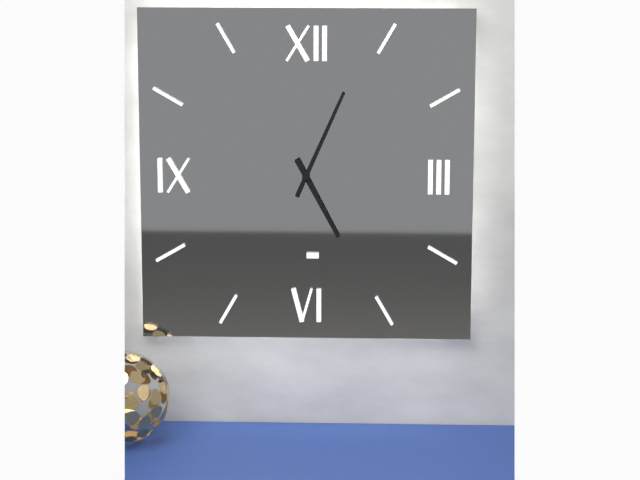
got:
5:04
